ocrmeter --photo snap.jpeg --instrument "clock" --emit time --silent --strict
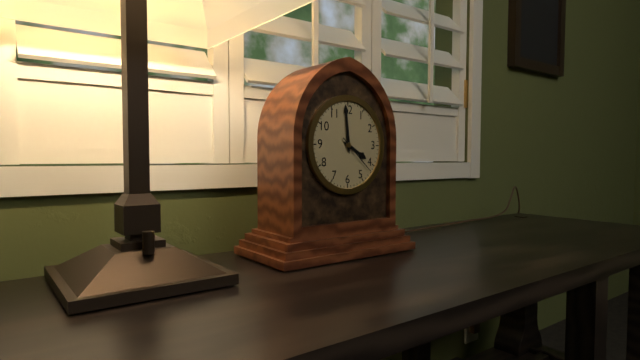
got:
3:59
